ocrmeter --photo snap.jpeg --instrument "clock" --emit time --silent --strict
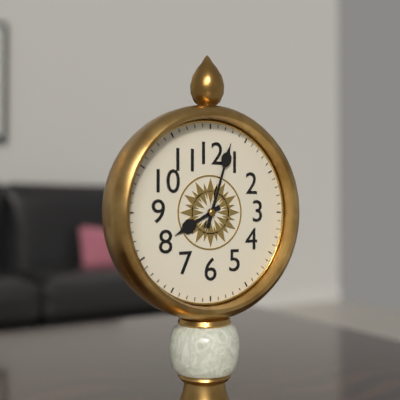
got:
8:03
